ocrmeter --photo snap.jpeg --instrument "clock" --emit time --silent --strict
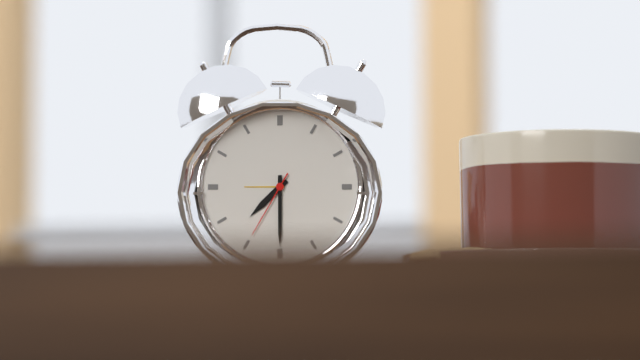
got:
7:30:35
